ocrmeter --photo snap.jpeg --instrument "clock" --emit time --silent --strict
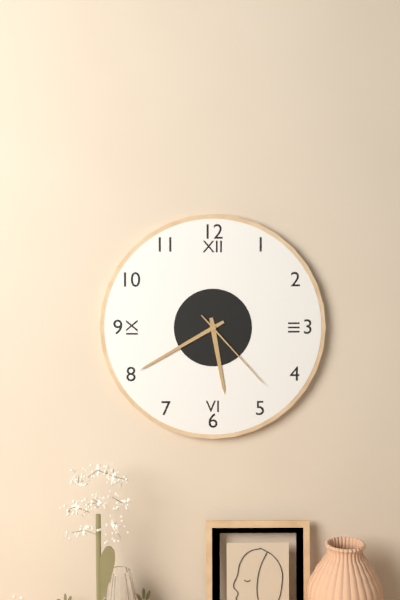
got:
5:40:23
